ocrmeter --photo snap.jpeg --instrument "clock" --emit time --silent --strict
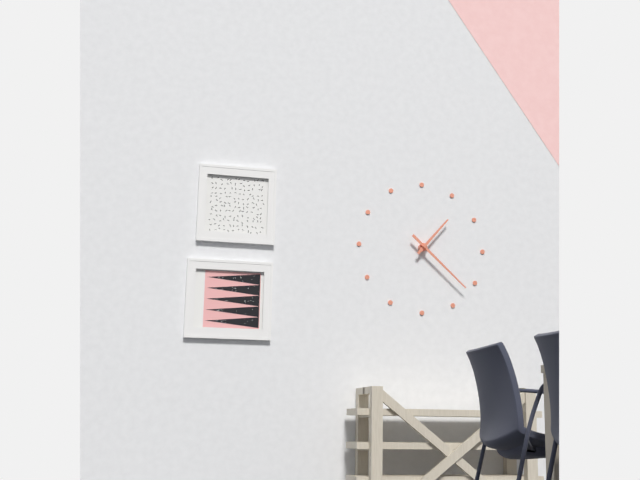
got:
1:22
